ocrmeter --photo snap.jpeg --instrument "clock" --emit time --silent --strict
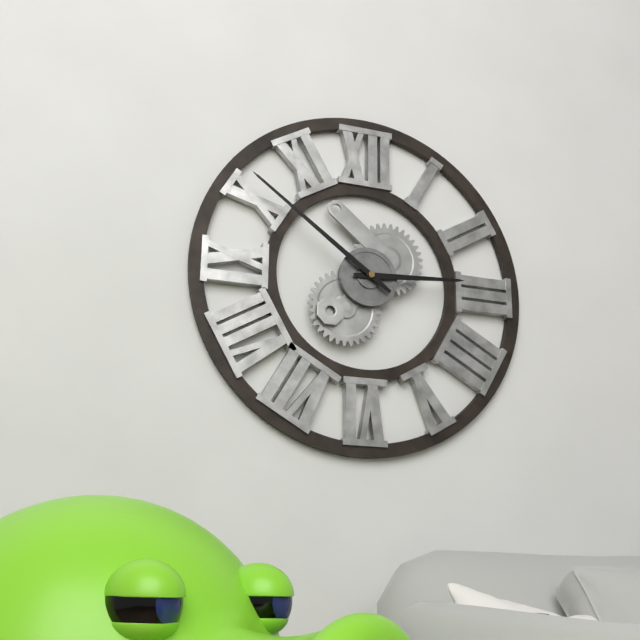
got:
2:51
